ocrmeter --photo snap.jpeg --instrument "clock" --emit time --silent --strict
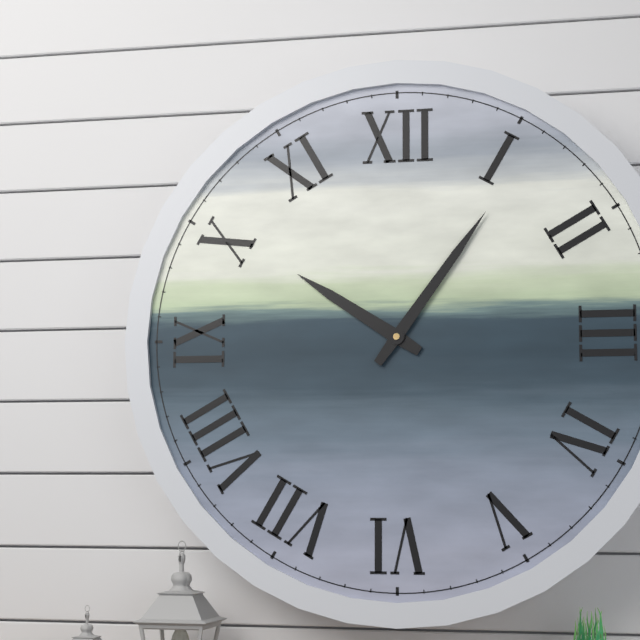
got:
10:06
